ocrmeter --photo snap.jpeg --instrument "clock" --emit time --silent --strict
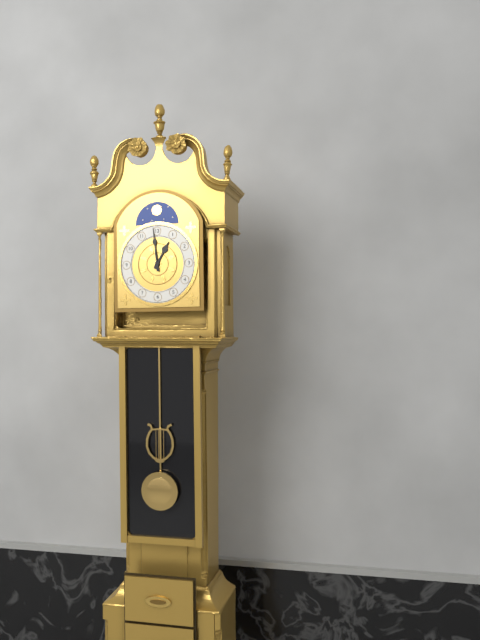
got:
12:59
